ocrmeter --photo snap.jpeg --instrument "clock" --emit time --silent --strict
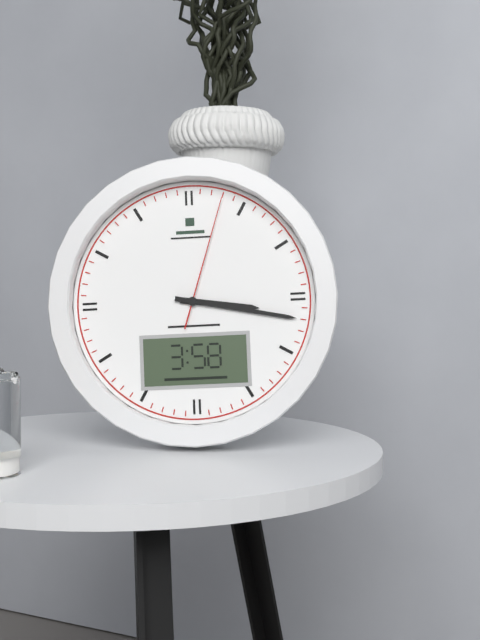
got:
3:17:03
